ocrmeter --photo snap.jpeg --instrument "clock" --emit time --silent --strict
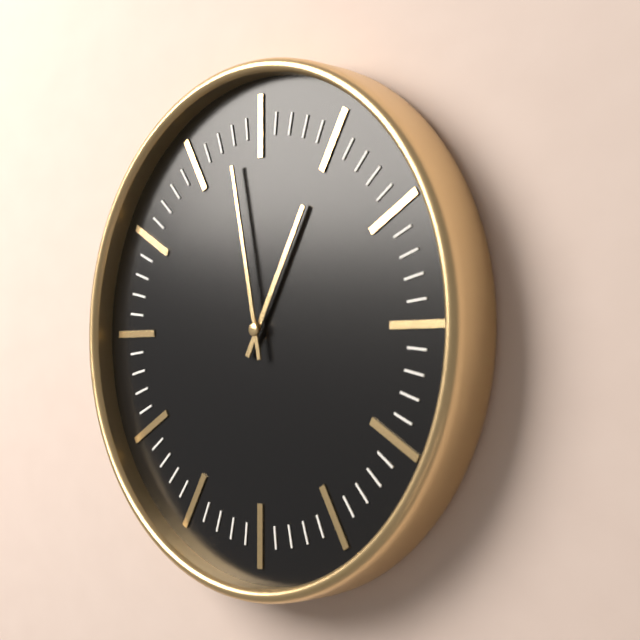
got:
12:58
